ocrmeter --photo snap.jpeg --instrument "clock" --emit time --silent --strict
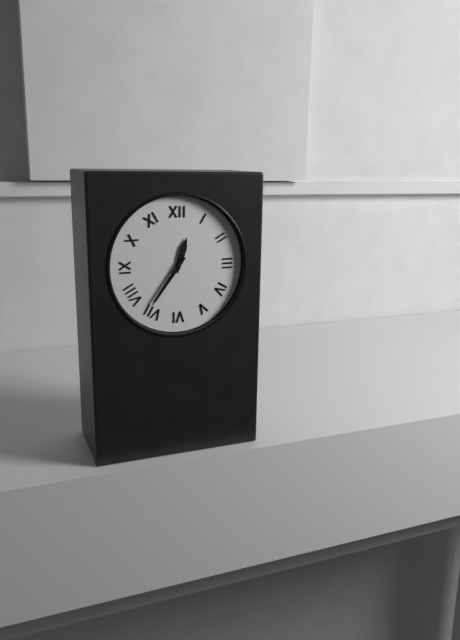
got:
12:36
